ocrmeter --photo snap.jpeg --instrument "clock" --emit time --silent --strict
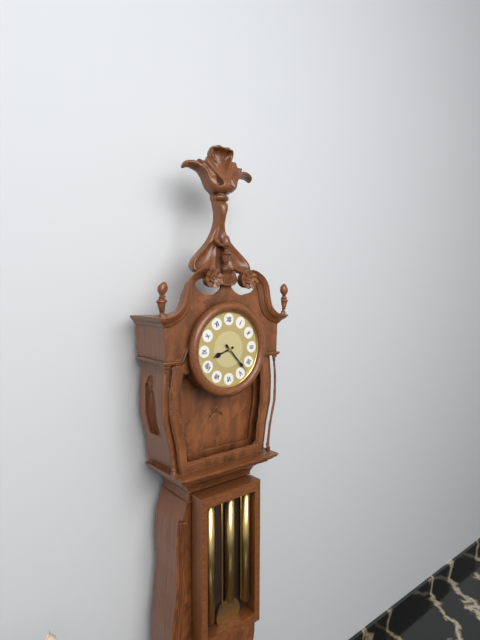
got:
8:23
